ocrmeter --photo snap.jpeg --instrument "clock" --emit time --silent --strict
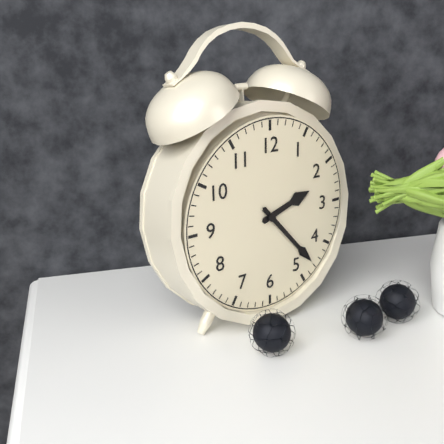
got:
2:23
